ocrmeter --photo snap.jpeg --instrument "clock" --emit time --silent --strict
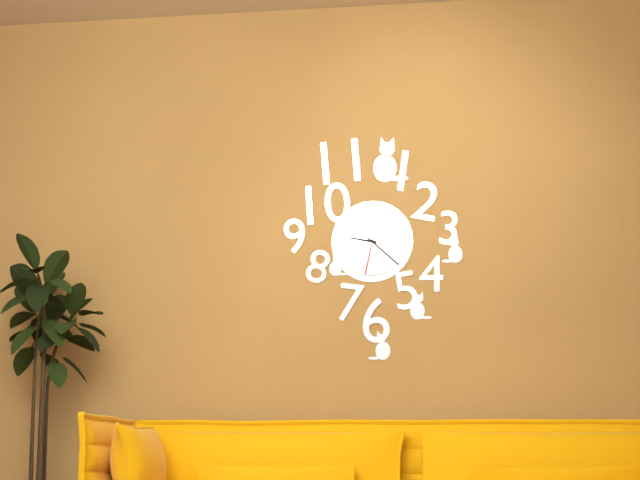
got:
9:22
